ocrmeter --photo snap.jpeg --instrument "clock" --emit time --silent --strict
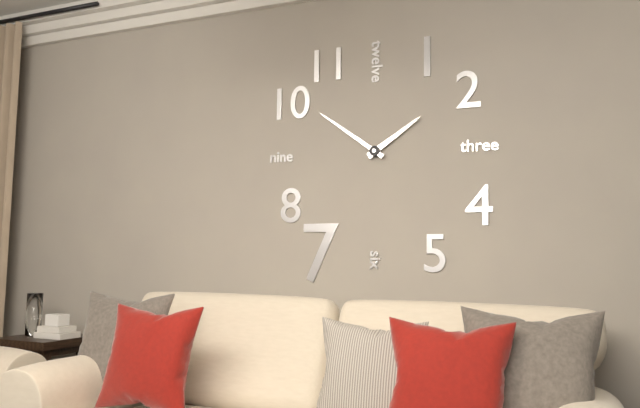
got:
1:51
